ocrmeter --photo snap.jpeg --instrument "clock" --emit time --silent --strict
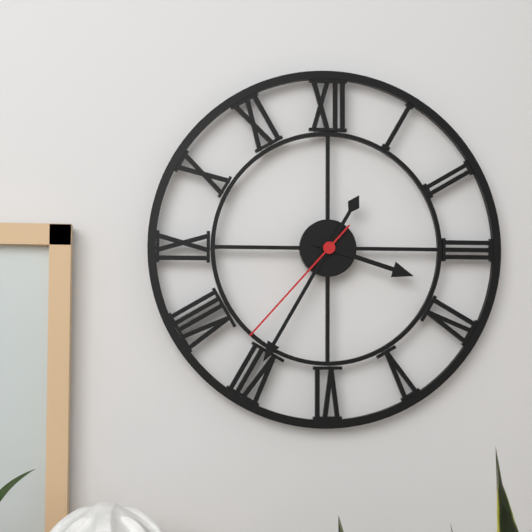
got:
3:35:37
